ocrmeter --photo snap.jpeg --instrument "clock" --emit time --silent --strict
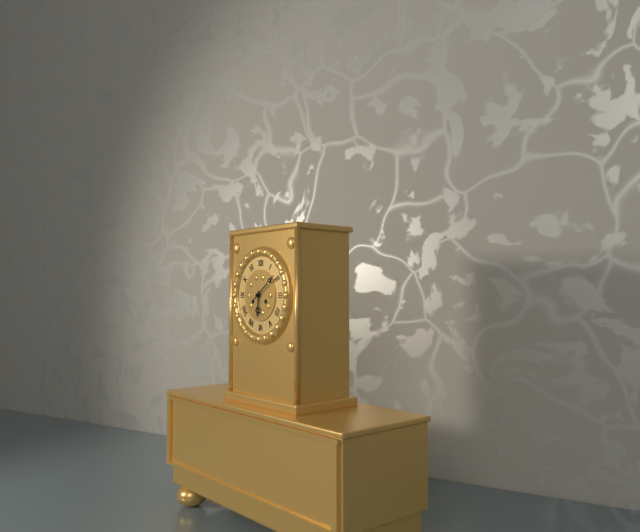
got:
6:09
